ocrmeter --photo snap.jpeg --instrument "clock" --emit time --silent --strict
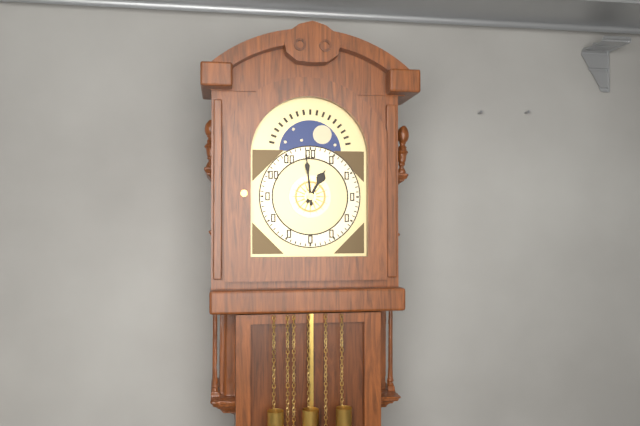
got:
12:59
